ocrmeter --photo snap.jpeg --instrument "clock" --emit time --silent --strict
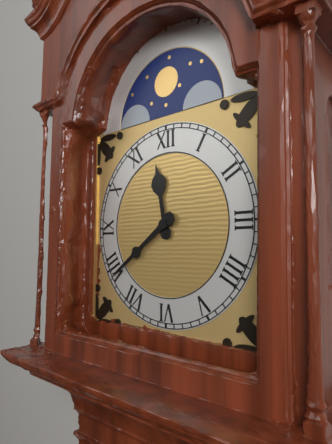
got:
11:39
